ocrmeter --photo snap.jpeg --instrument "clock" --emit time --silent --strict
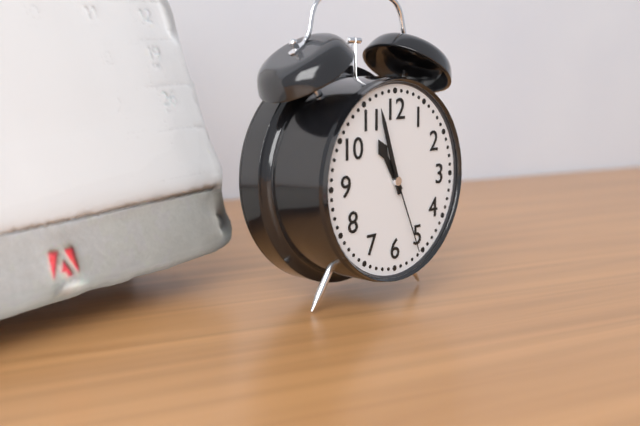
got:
10:57:26
